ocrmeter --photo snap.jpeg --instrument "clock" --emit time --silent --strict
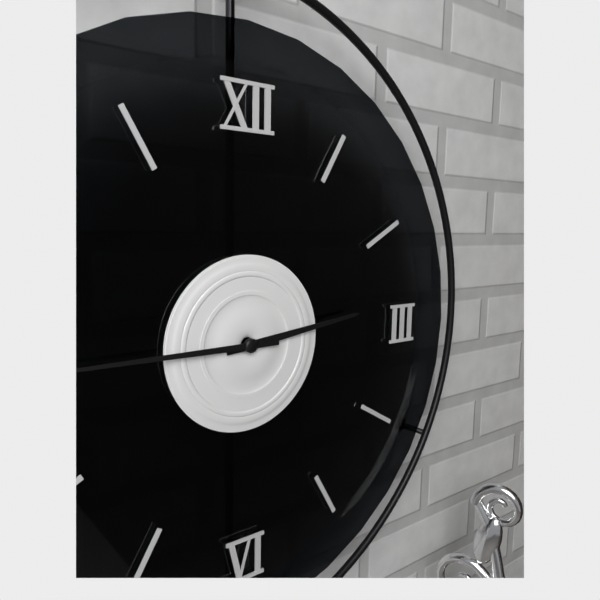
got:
2:45
